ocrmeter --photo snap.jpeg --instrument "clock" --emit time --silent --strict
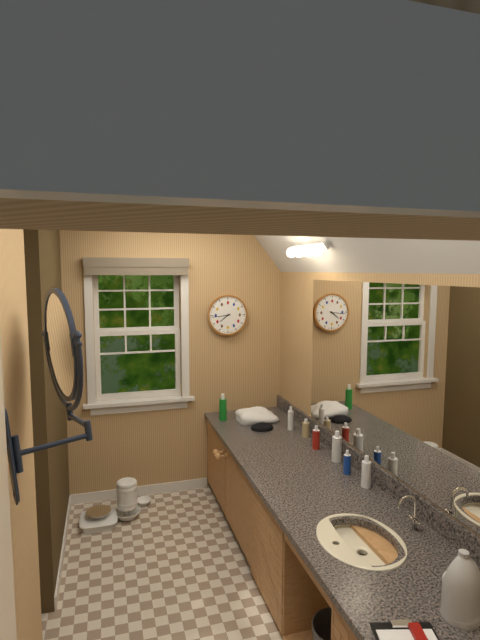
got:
7:44
